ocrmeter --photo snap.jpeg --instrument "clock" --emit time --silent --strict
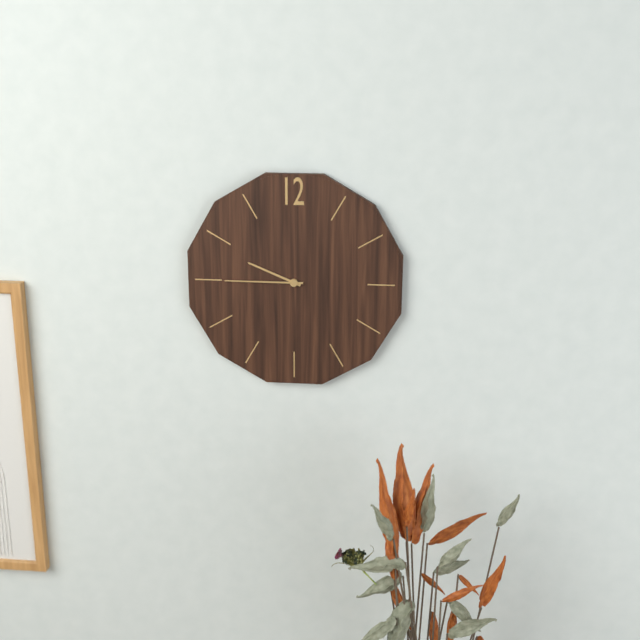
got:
9:45
